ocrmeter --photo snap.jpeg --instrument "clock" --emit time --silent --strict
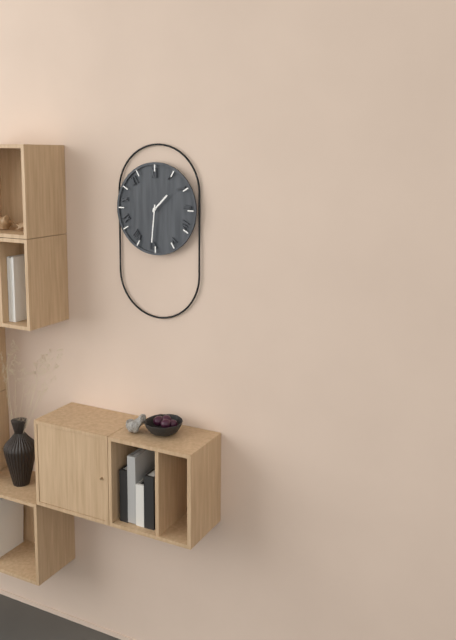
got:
1:31
